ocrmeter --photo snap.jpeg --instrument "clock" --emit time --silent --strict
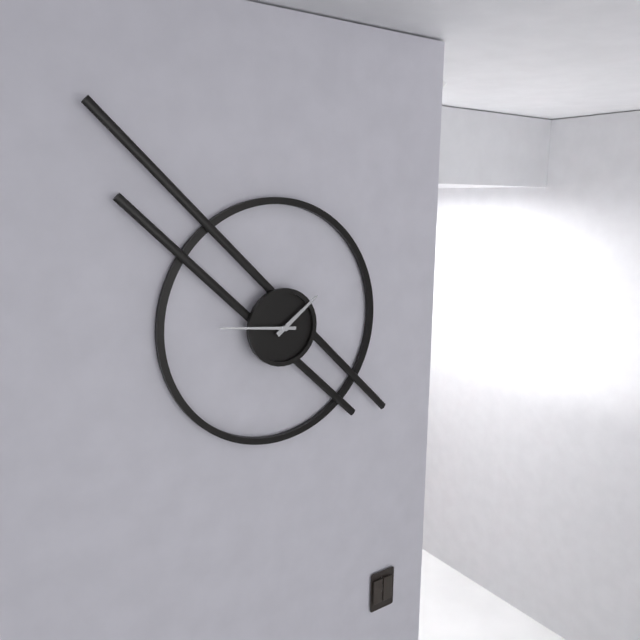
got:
1:46
